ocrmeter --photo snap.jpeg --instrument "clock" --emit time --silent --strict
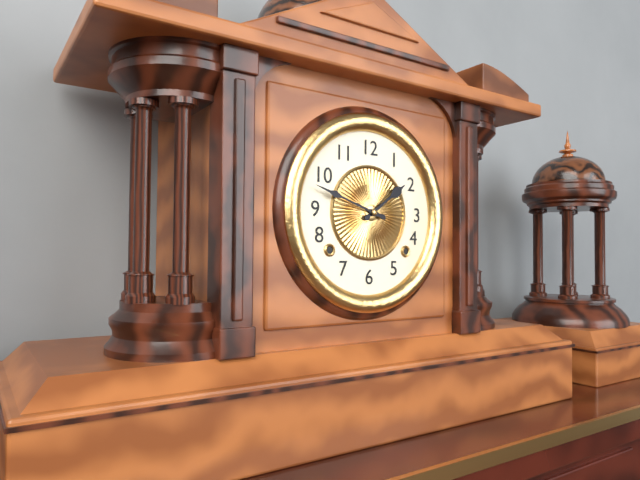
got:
1:48
